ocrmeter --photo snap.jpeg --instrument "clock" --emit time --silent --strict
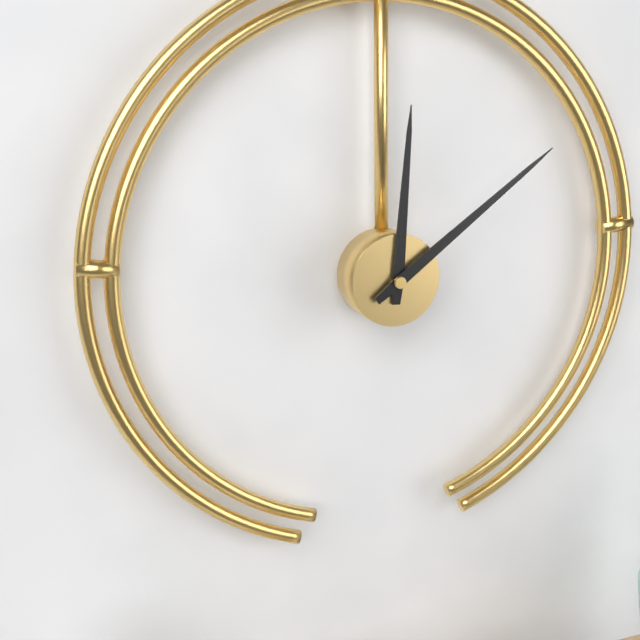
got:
12:09
